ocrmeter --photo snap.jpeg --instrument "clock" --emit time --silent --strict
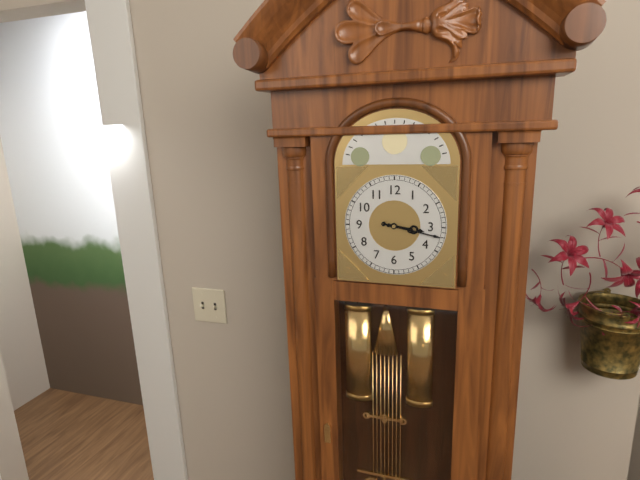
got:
3:17
